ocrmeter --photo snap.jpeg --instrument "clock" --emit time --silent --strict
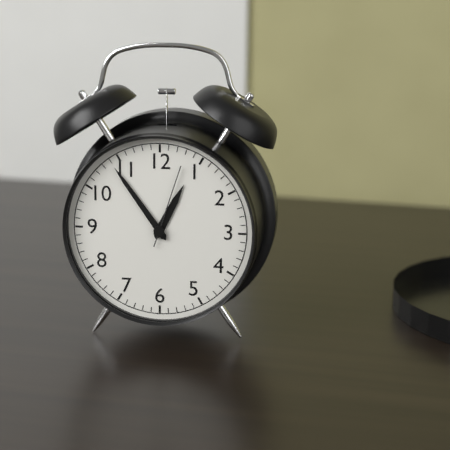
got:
12:54:03
